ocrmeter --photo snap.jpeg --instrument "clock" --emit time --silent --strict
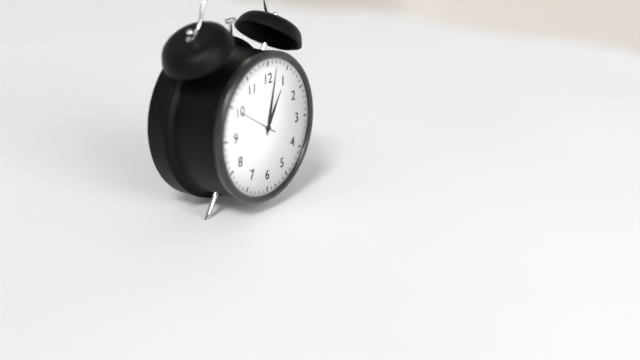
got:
1:02
